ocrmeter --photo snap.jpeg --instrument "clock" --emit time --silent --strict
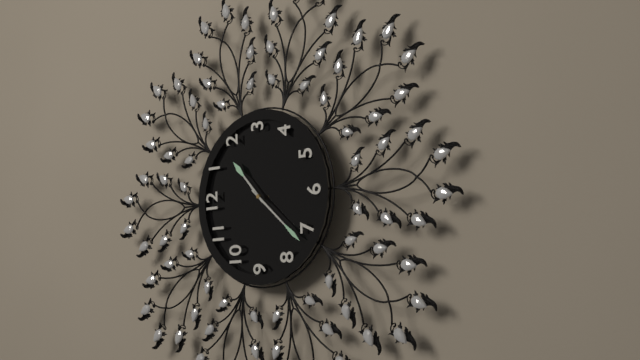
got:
1:37
